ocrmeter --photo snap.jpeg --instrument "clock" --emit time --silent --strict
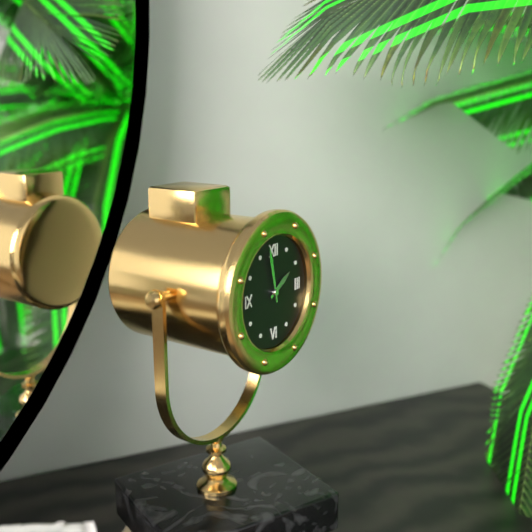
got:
1:58
